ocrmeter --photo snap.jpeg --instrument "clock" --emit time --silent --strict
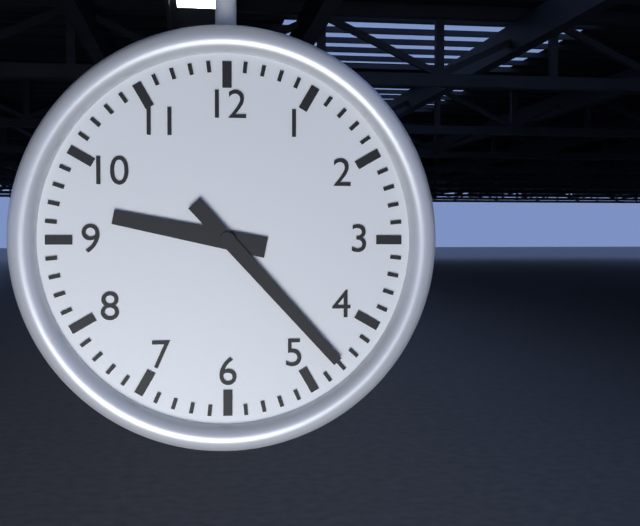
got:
9:23
